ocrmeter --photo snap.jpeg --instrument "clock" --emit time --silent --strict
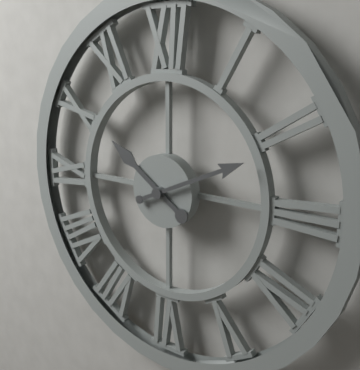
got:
10:11
